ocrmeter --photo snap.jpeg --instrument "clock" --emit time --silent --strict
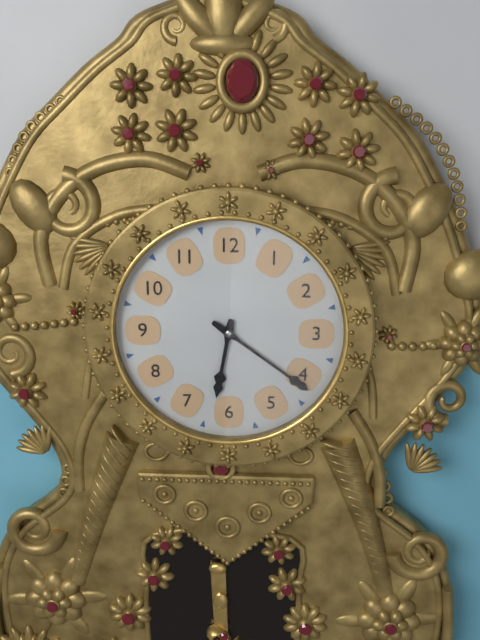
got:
6:21
